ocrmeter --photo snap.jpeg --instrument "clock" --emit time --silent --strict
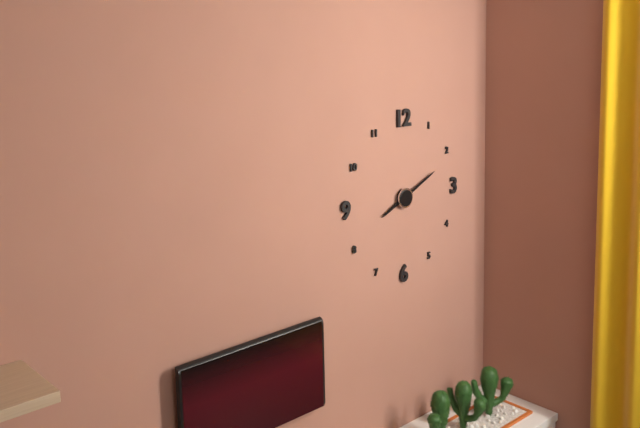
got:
8:11
